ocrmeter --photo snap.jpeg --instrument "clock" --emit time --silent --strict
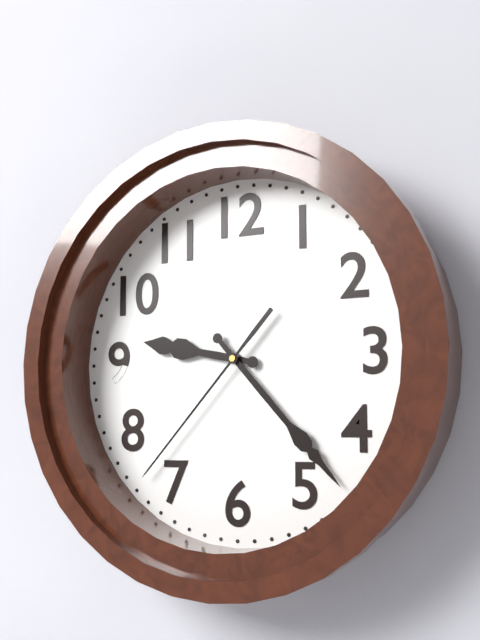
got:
9:23:37
